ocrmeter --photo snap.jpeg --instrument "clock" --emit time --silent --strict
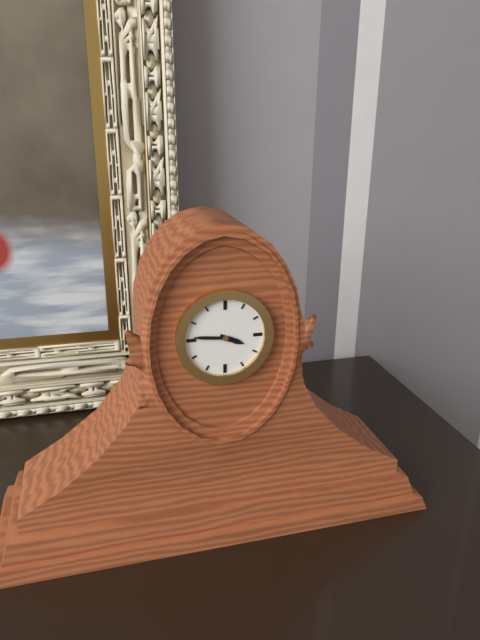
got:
3:46
